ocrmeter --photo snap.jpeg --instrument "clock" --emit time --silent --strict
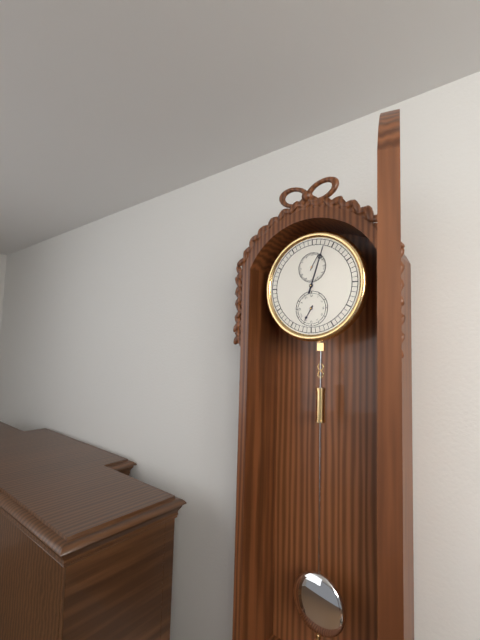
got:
7:03
